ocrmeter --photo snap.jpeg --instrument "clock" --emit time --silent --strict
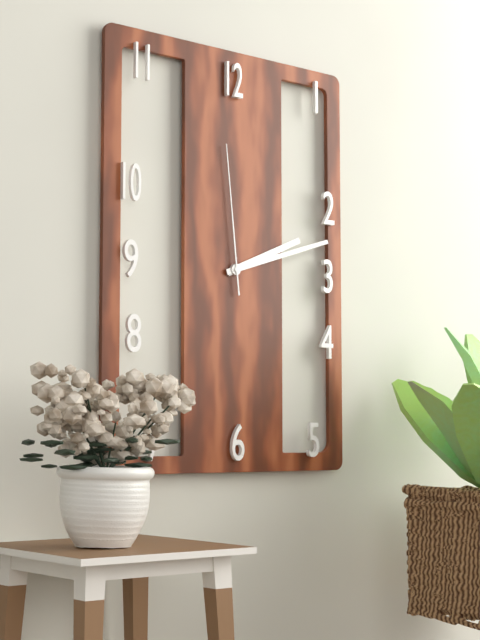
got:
2:12:59
